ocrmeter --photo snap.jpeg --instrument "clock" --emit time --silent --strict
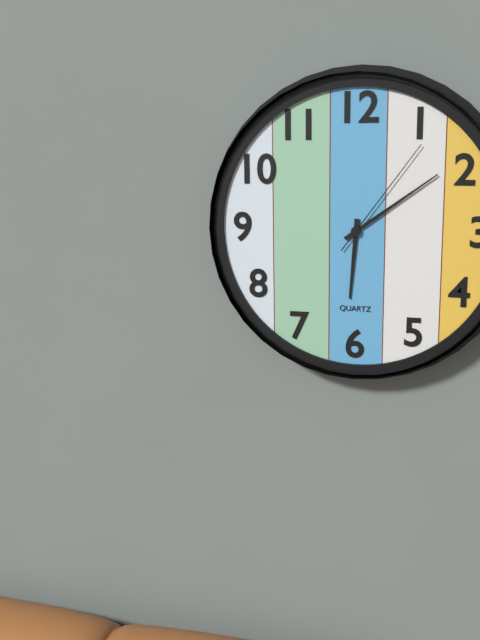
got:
6:09:06
